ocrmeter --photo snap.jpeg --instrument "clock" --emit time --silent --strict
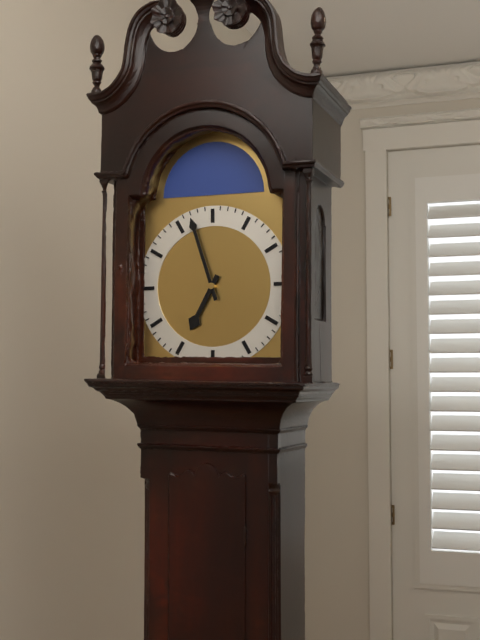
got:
6:57
